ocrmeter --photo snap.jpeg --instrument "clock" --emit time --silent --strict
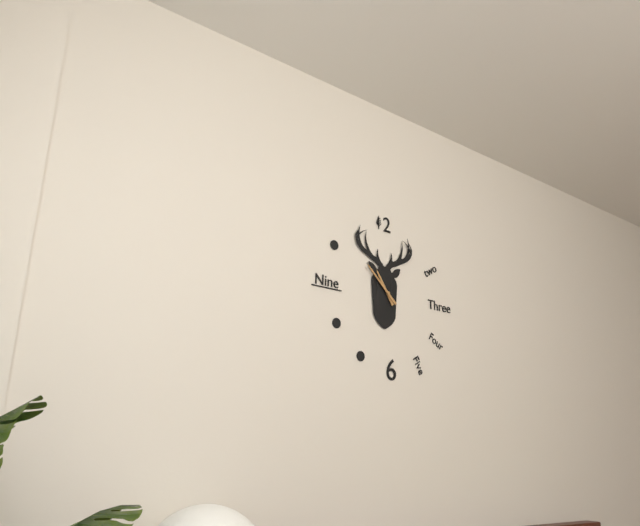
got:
10:52
